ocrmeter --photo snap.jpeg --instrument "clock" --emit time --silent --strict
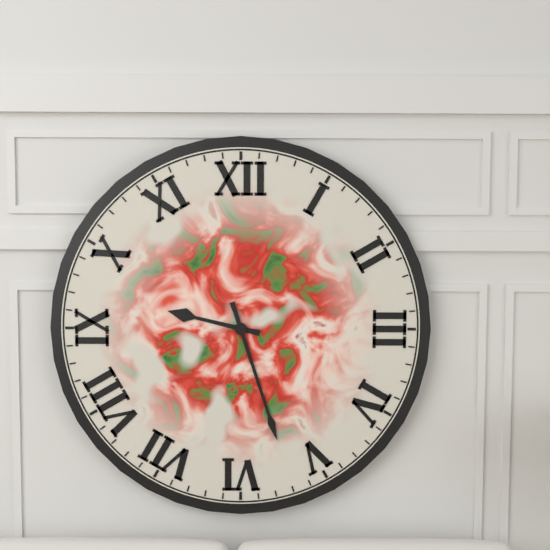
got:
9:27
